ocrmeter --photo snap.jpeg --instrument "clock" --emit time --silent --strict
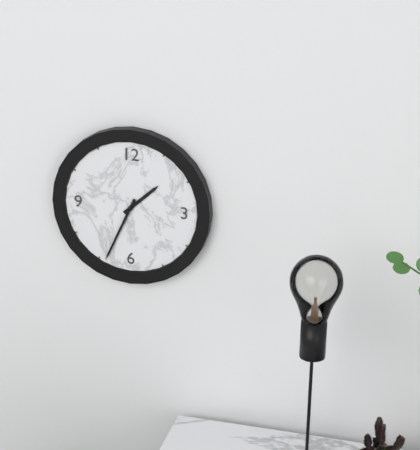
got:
1:34
